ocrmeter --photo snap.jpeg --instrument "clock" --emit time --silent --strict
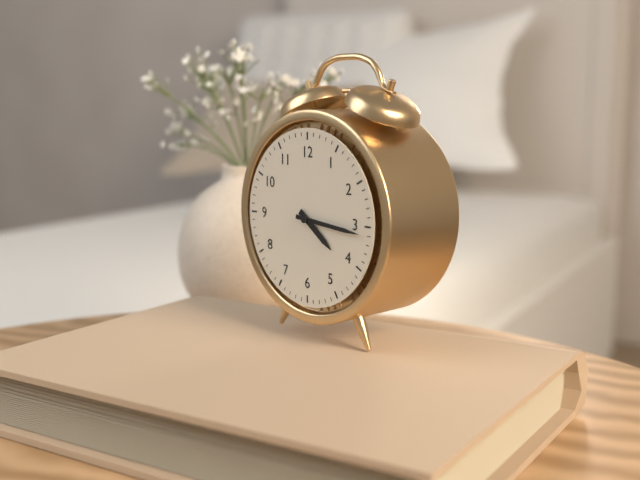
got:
4:16
